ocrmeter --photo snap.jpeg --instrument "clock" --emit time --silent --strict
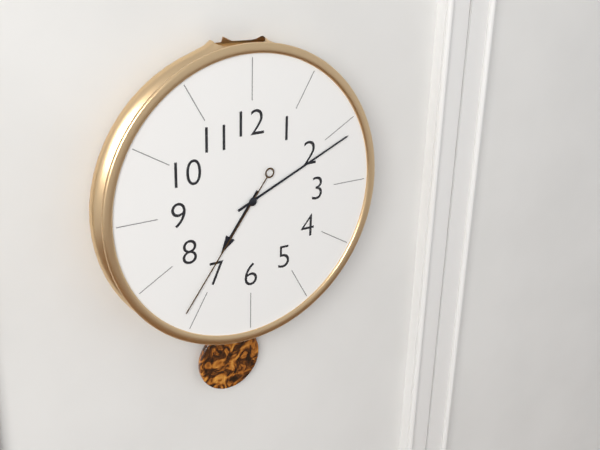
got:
7:11:36
